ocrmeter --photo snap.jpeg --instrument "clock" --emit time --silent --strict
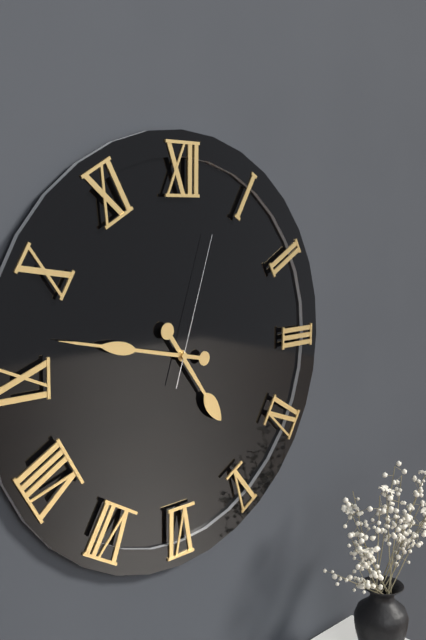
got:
4:47:03
